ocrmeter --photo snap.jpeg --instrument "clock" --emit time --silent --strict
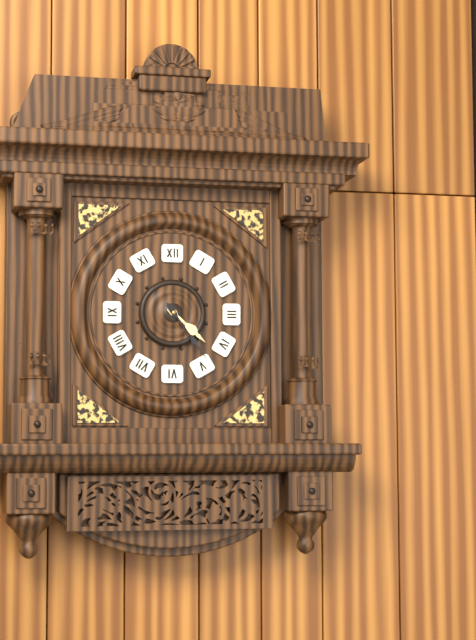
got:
4:24
